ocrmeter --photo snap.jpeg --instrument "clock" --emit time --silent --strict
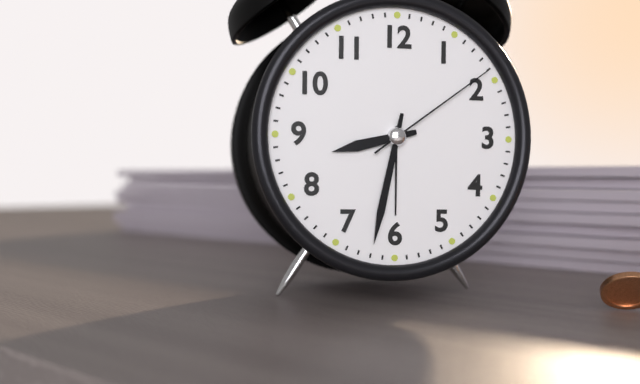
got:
8:32:09
